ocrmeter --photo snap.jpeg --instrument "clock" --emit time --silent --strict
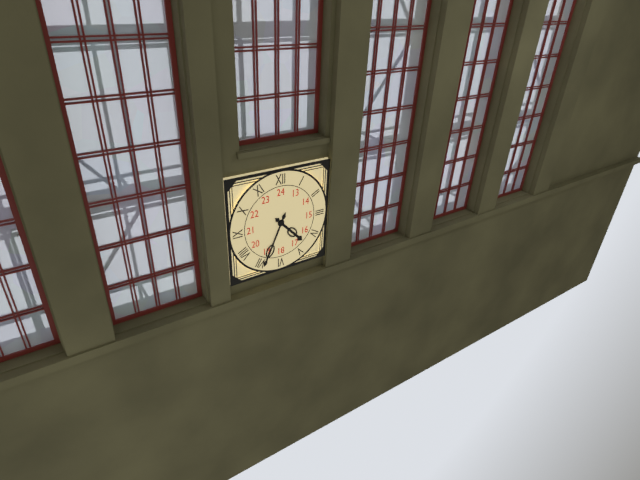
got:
4:34
